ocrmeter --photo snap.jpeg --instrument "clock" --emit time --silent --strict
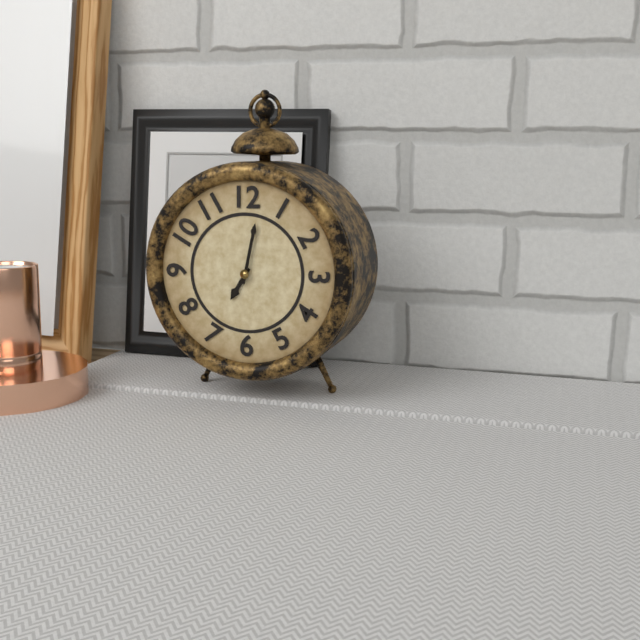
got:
7:02
